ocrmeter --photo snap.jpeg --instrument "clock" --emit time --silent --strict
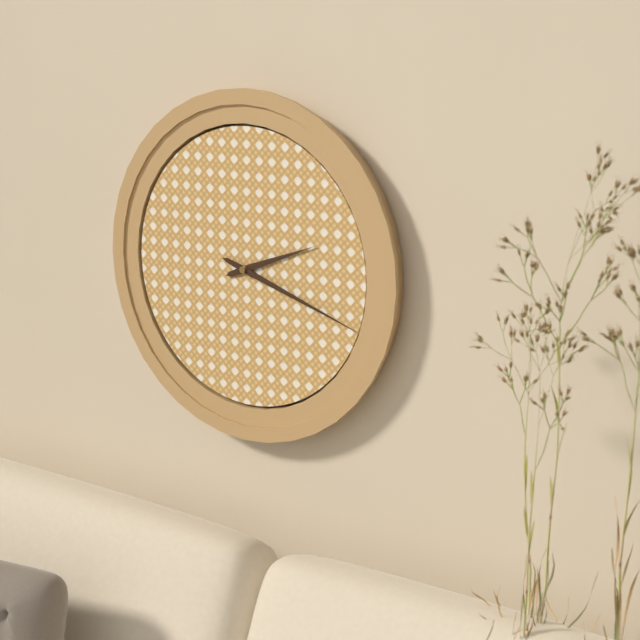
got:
2:18
